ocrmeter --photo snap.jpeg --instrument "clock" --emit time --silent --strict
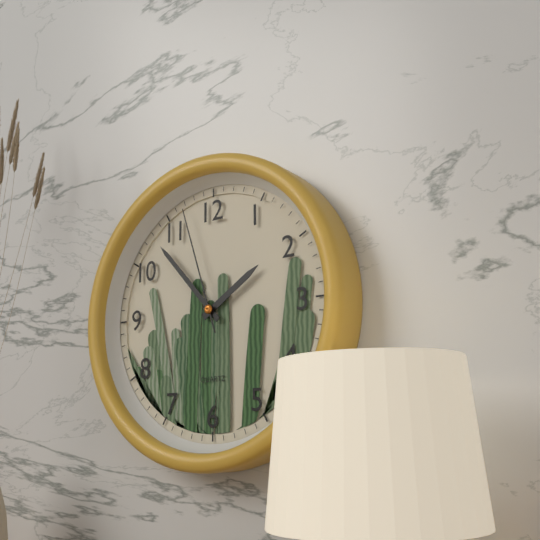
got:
1:53:57
